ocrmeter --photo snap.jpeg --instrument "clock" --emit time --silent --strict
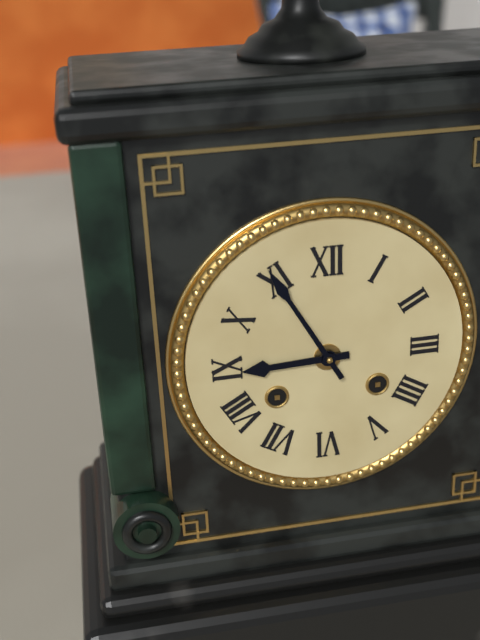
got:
8:55
